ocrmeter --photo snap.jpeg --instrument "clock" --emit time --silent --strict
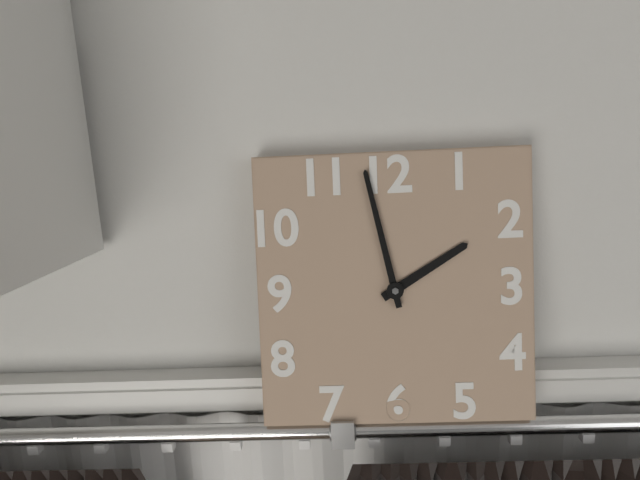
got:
1:58
